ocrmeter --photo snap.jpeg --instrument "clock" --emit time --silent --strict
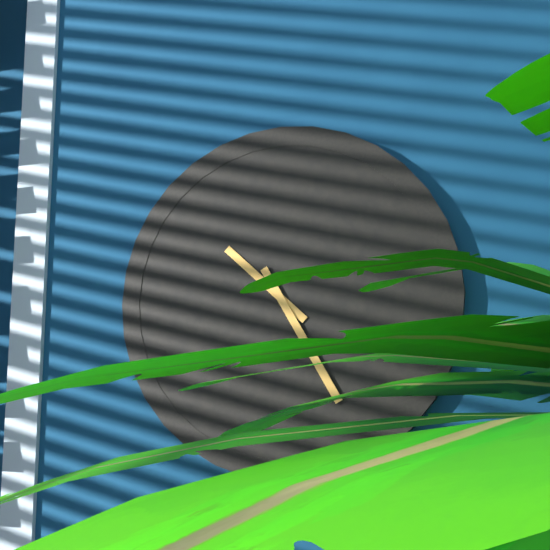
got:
10:25
